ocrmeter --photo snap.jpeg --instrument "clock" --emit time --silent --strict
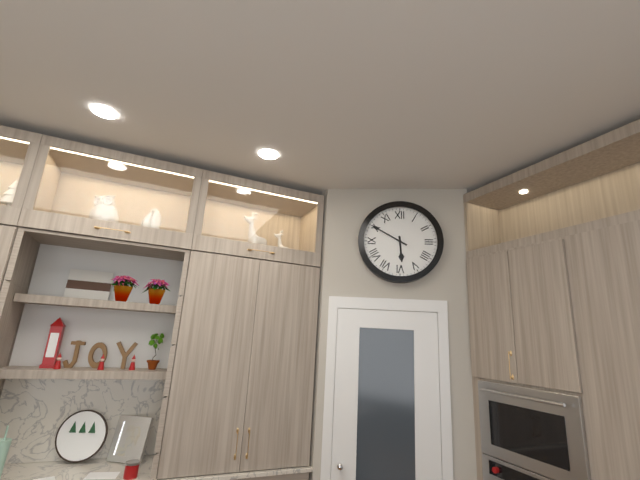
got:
5:50
